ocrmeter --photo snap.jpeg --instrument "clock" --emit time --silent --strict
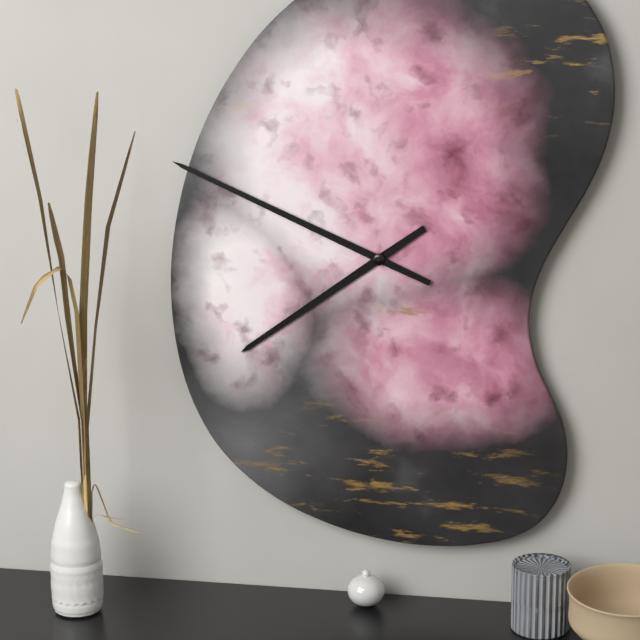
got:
7:49
